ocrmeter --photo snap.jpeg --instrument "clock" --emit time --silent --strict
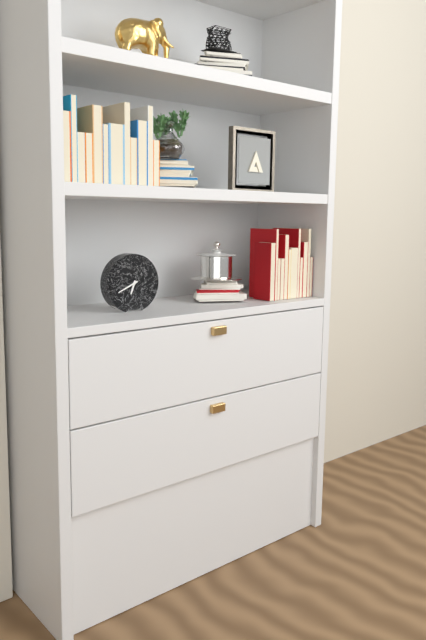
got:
6:41
